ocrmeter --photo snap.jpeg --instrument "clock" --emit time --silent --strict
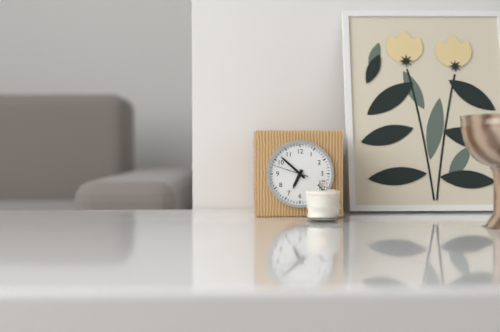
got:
6:52
